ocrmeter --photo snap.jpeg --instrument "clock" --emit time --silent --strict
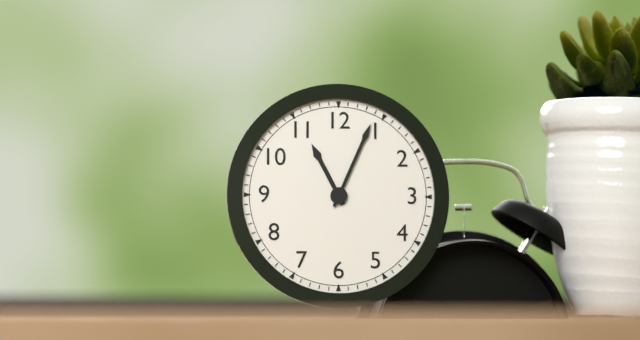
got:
11:04
